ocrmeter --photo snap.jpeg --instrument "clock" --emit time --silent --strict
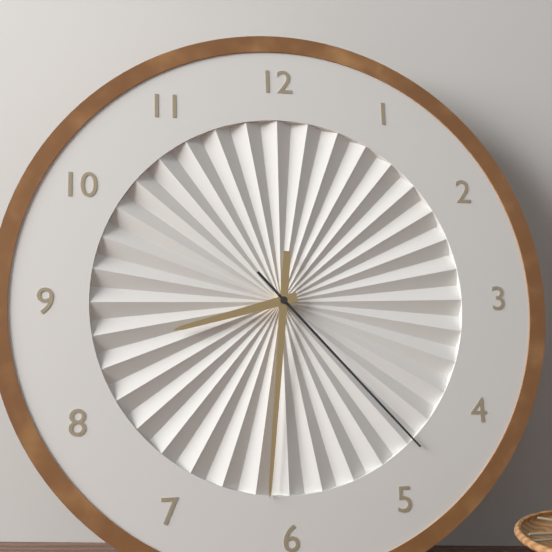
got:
8:31:23
